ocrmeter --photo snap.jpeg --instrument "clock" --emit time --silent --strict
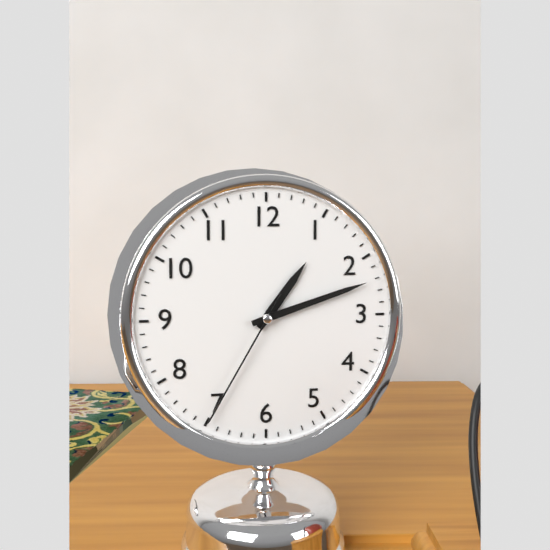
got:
1:12:35
